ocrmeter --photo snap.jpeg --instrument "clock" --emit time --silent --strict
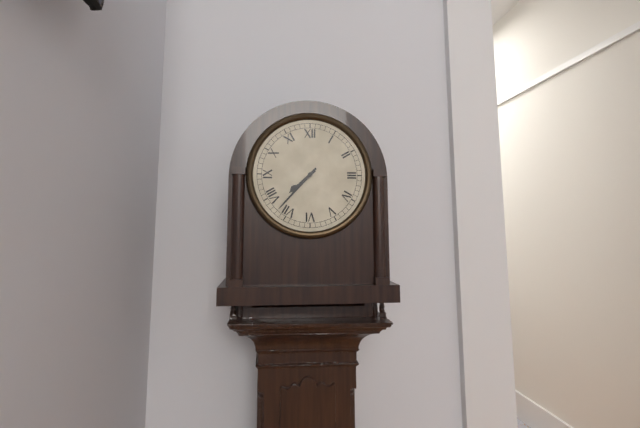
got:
7:37
